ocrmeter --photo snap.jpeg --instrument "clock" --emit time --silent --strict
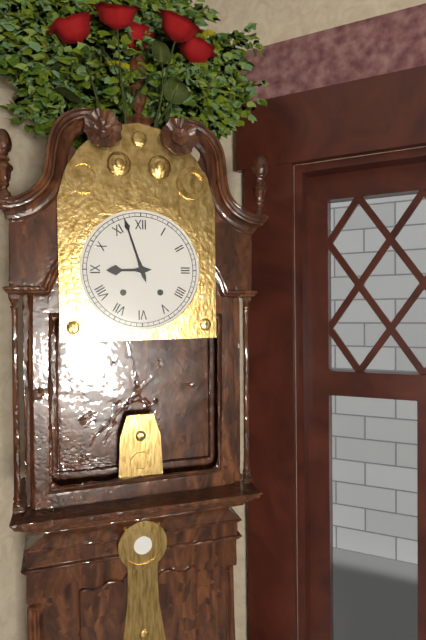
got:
8:57
